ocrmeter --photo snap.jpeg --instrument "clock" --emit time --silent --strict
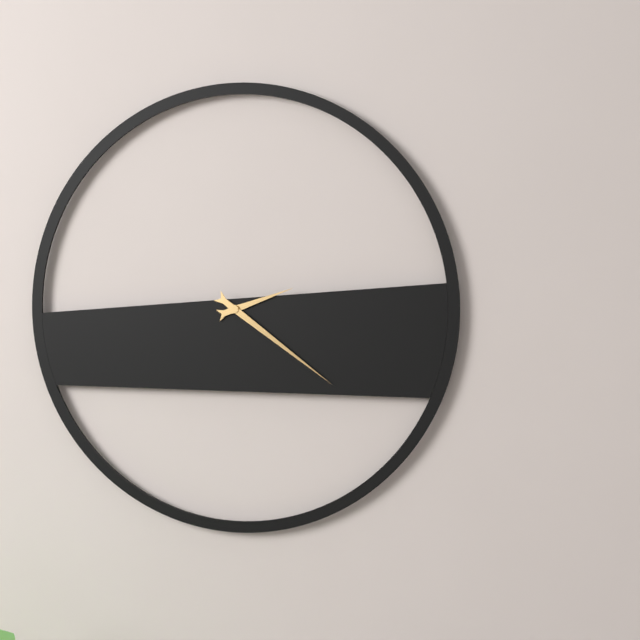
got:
2:21
